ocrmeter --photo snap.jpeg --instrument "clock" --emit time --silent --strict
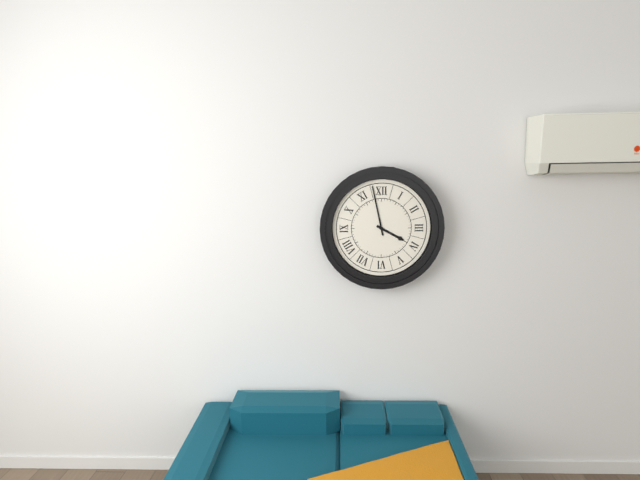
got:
3:58
